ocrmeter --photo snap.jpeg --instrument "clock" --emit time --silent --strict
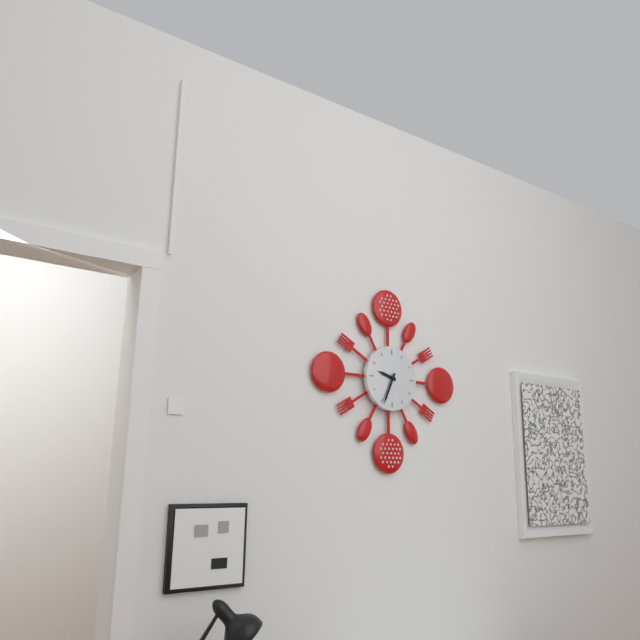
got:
9:34
